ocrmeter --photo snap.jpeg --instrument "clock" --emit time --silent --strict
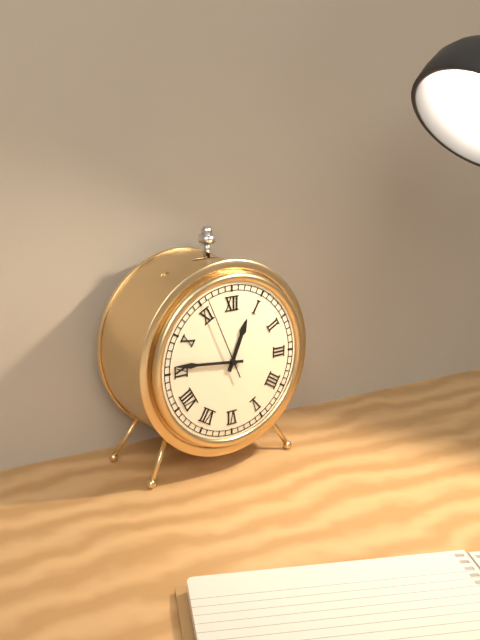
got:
12:46:56
